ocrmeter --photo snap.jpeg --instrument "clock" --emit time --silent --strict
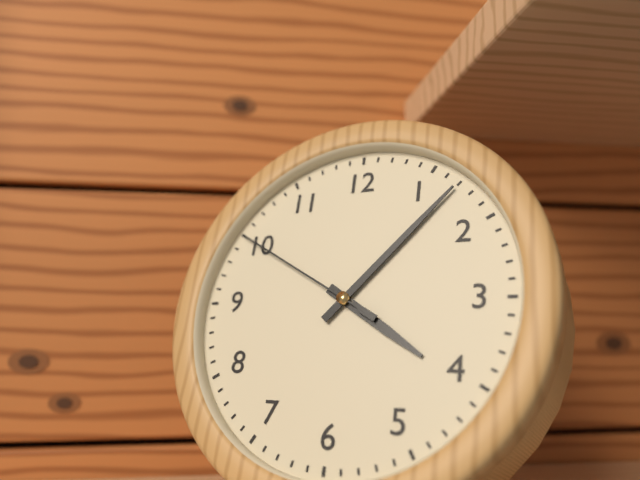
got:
4:07:50
